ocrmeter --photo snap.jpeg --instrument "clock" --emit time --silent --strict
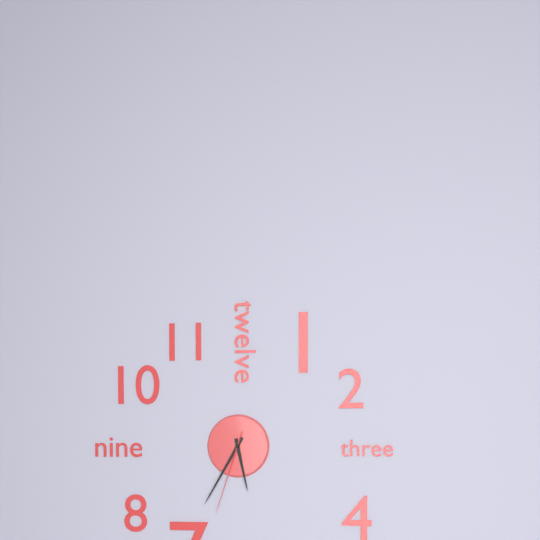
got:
5:35:33
